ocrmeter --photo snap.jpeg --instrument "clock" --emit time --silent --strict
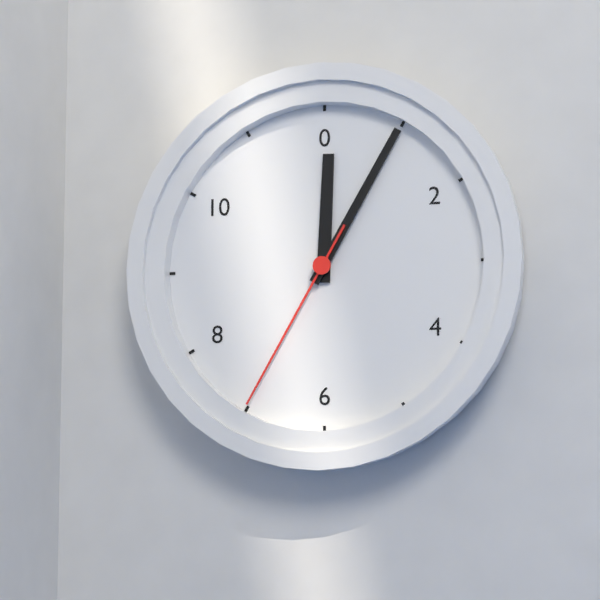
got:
12:05:35
